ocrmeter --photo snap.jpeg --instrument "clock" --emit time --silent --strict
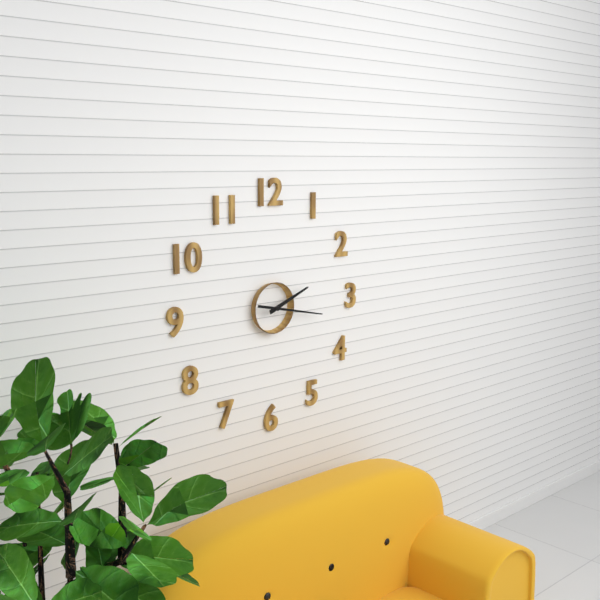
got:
2:17
